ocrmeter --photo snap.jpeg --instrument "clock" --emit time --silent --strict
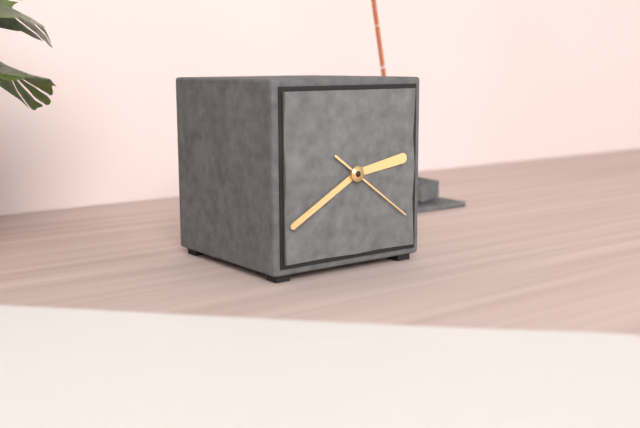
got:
2:40:21
